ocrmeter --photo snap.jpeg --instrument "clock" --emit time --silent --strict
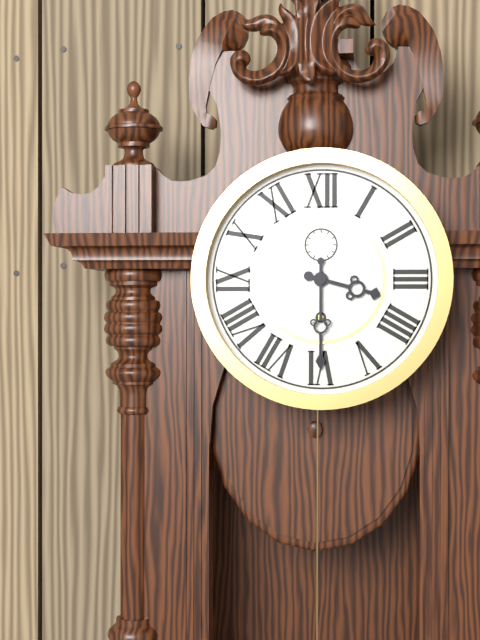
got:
3:30
